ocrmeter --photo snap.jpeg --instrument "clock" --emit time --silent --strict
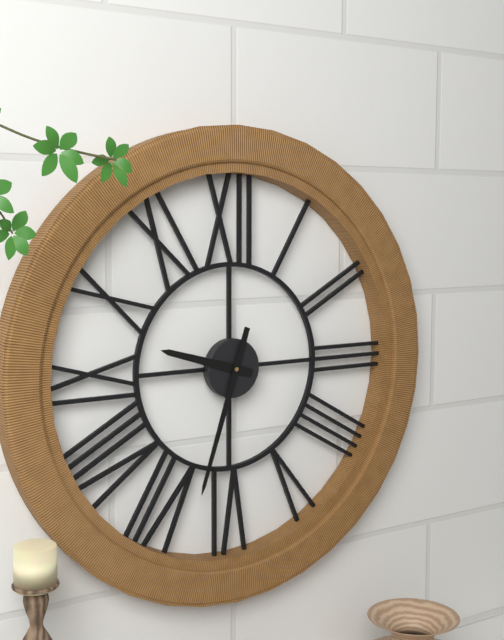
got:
9:33
